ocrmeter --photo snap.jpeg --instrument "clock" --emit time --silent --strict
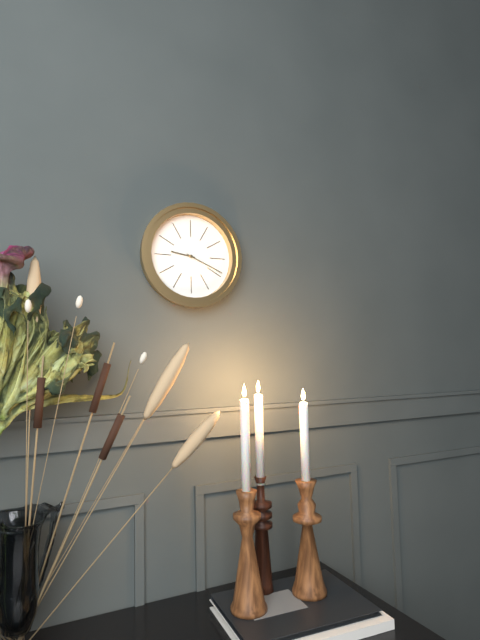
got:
9:19
